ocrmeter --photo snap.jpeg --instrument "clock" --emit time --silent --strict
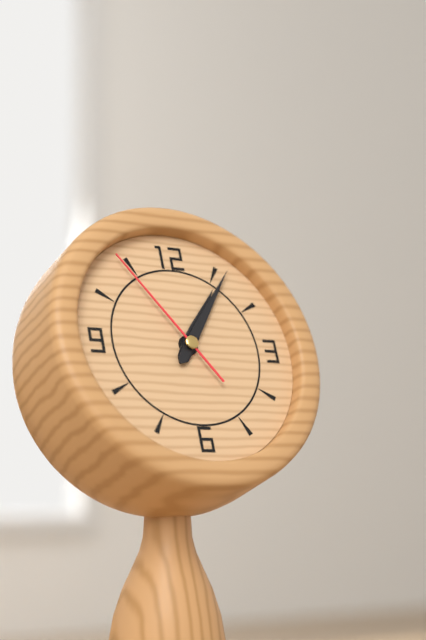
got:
1:06:54
